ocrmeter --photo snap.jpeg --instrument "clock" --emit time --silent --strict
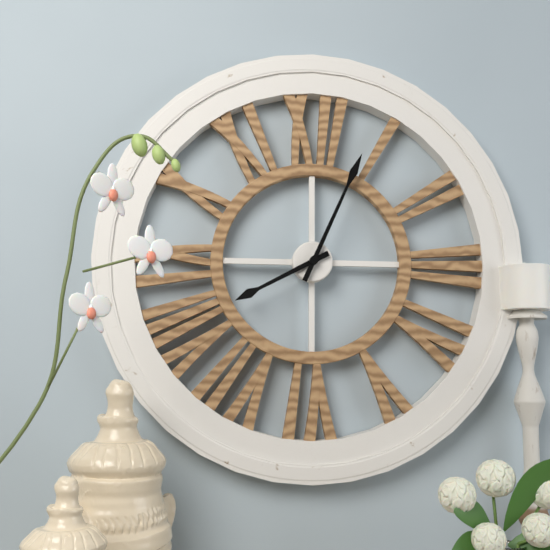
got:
8:04
